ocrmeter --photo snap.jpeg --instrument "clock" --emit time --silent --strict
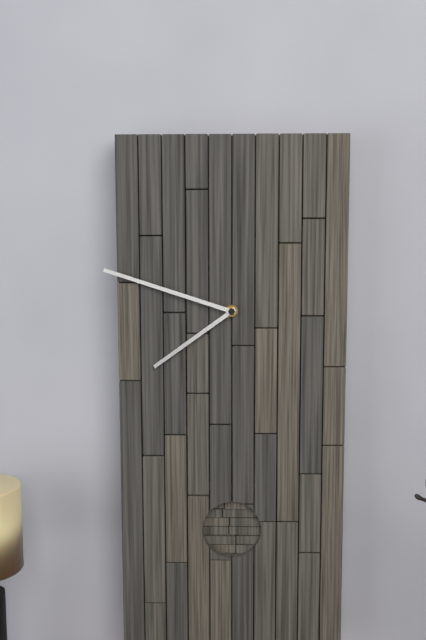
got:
7:48
